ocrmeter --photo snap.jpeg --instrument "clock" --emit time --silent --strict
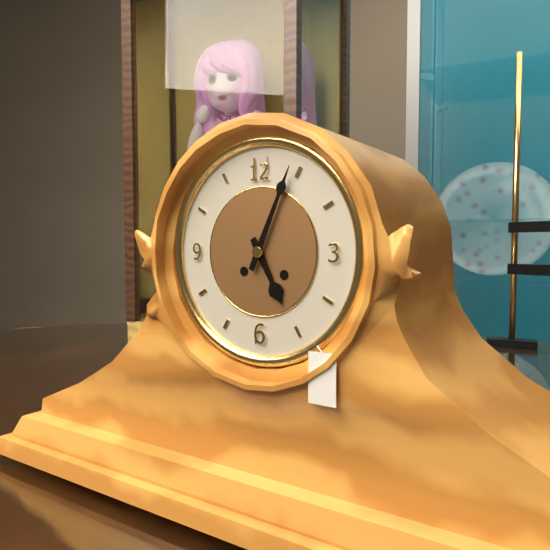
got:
5:04
